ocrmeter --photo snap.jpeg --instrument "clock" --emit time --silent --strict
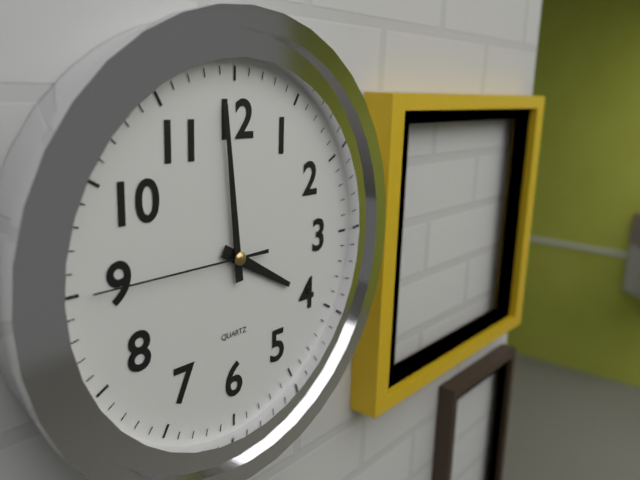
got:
3:59:45
